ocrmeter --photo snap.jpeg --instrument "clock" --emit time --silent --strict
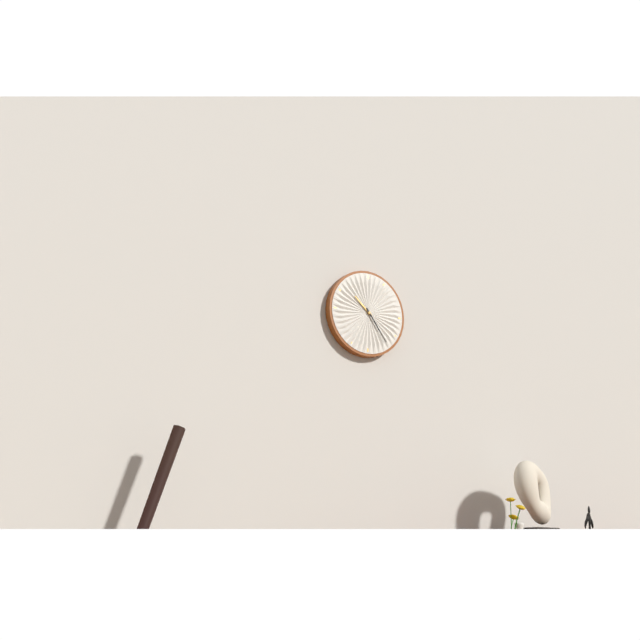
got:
10:24
